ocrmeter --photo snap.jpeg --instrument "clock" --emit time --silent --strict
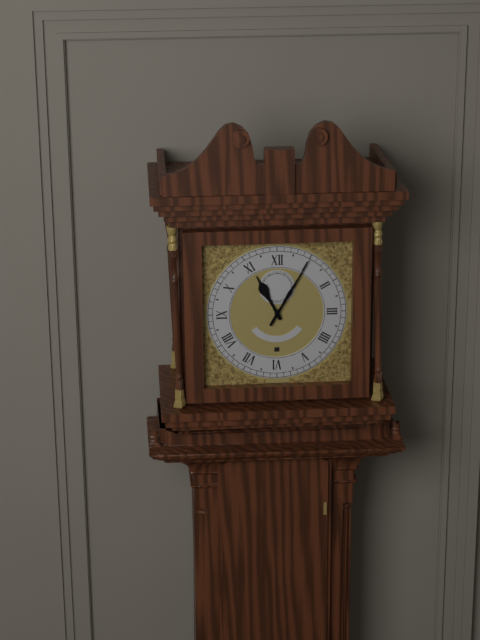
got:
11:05
